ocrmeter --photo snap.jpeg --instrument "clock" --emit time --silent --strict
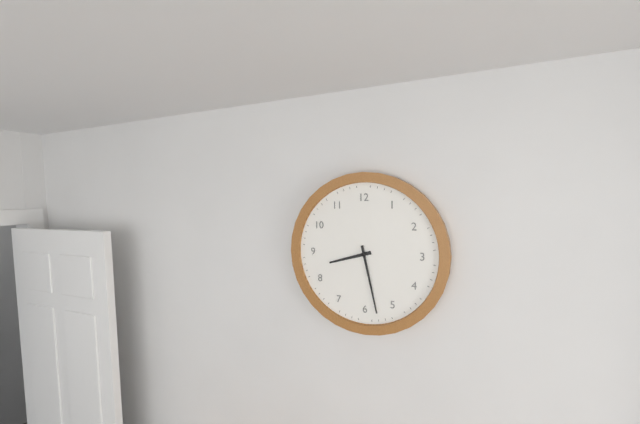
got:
8:28
